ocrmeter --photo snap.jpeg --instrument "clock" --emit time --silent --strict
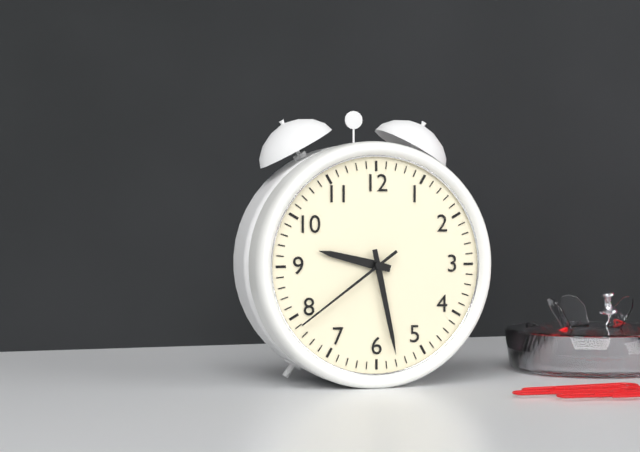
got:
9:28:39
